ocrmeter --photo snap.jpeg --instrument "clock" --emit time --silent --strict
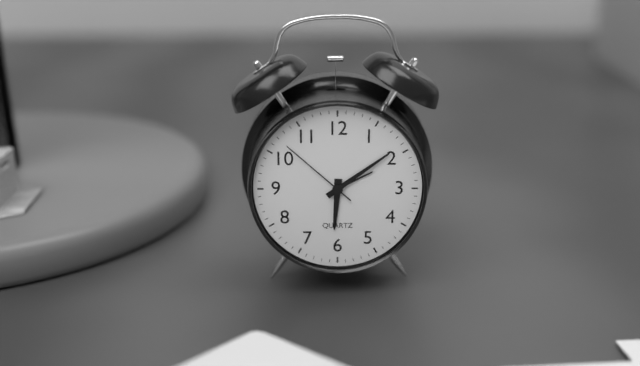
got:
6:09:52
